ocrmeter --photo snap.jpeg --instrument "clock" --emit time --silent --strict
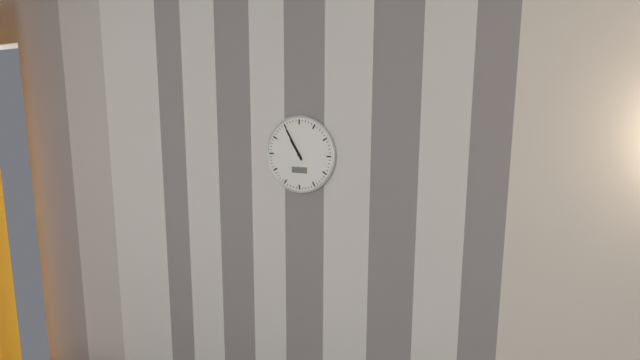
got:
10:55
